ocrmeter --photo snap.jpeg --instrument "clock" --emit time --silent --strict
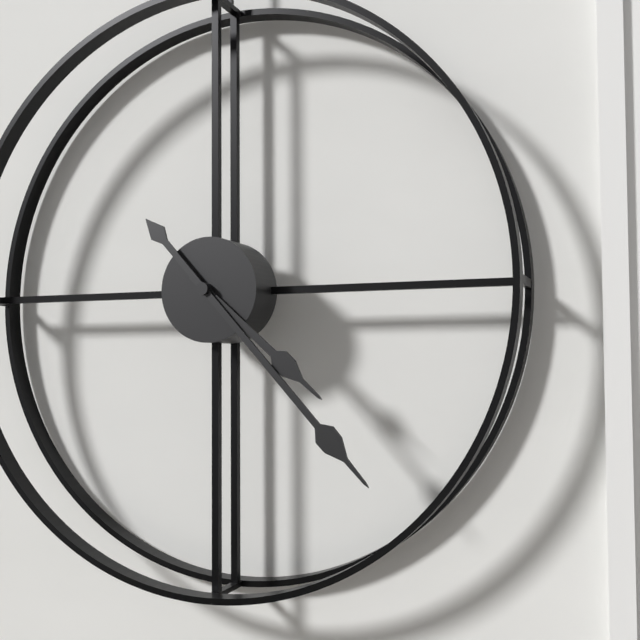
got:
4:23
